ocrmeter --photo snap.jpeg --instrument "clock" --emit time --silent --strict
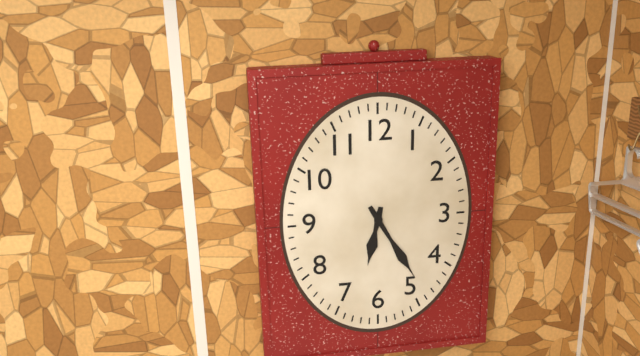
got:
6:25
